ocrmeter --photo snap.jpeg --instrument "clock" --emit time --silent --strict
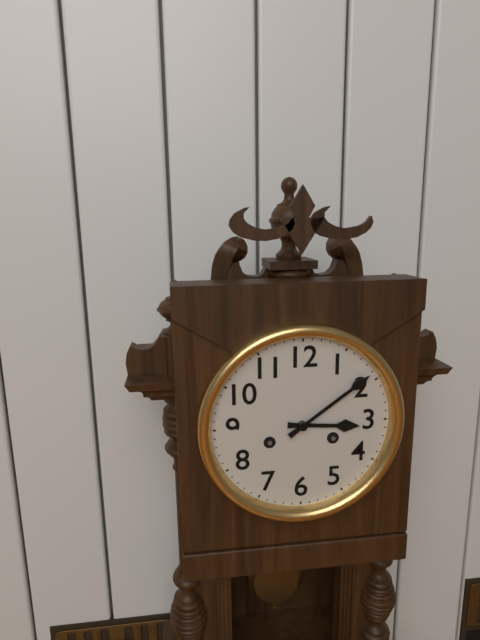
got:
3:09
